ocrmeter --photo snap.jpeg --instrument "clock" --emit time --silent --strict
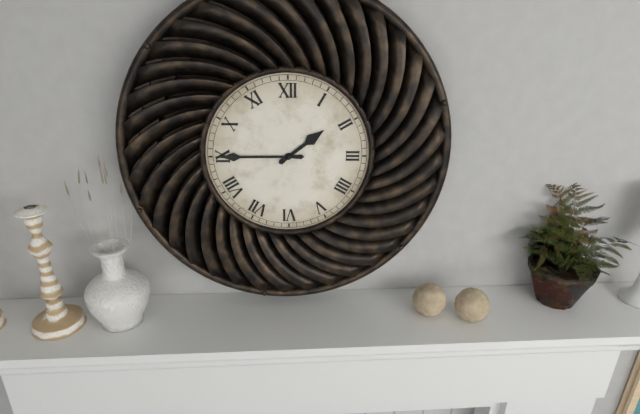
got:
1:45
